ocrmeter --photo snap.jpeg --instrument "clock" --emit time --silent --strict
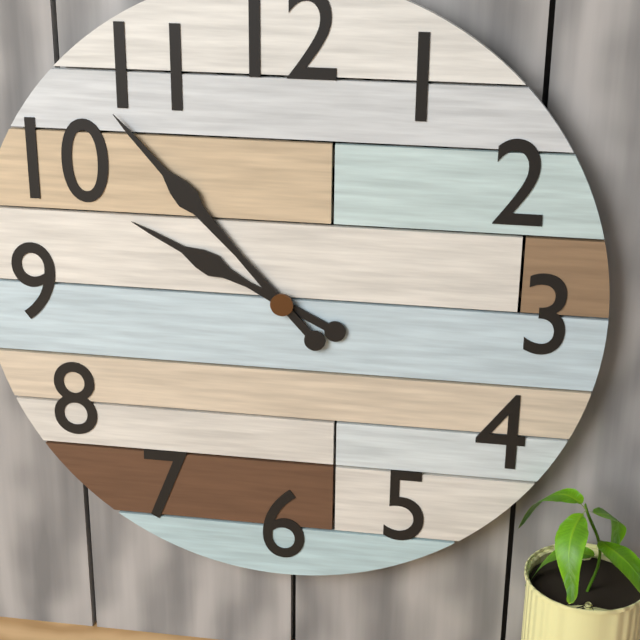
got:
9:53
